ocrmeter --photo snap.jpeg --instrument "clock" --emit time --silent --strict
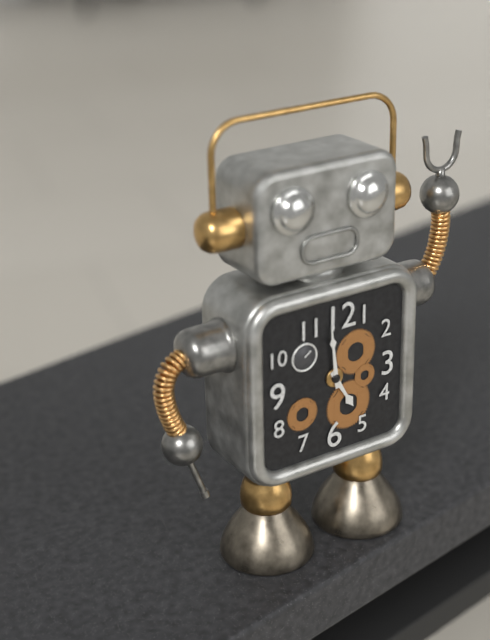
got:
4:59
